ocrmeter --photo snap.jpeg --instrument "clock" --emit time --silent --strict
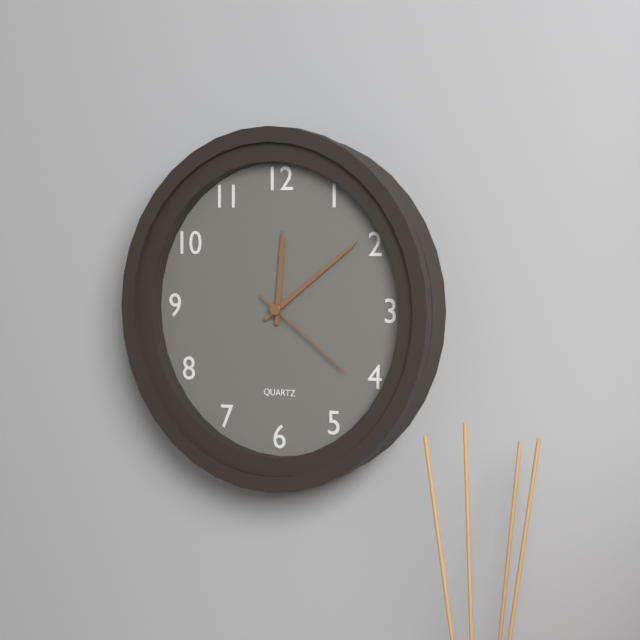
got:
12:09:21
